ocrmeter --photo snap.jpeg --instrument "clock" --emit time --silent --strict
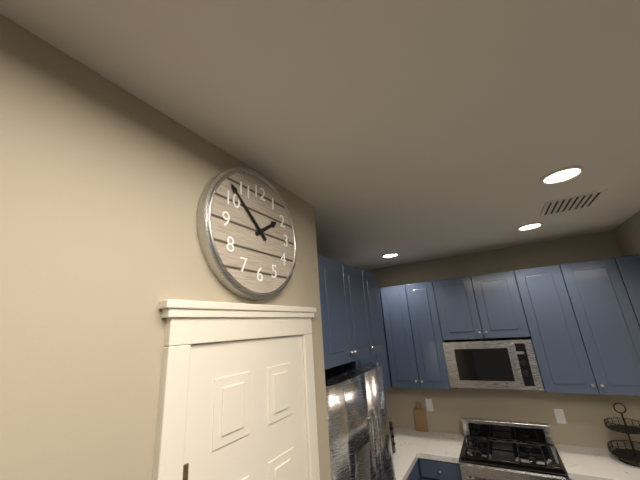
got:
1:52
